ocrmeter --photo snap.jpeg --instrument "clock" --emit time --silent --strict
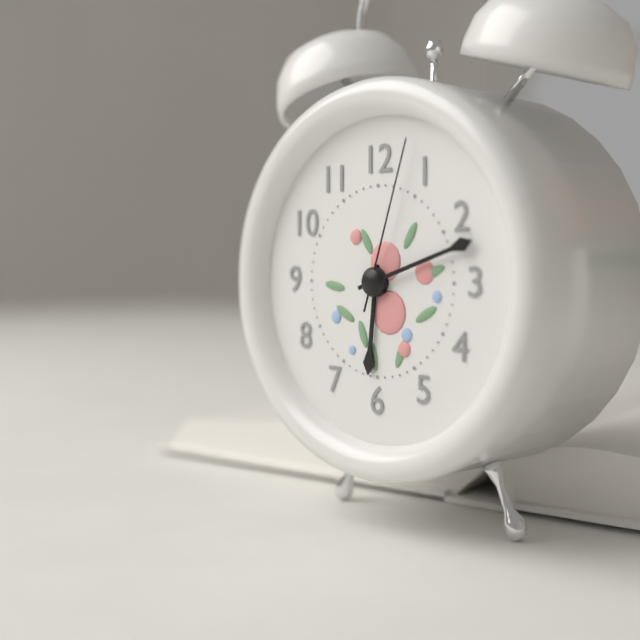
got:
6:12:03
